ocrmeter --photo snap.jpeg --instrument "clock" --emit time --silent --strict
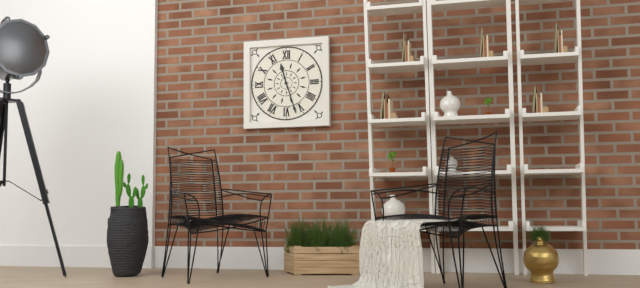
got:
11:27
